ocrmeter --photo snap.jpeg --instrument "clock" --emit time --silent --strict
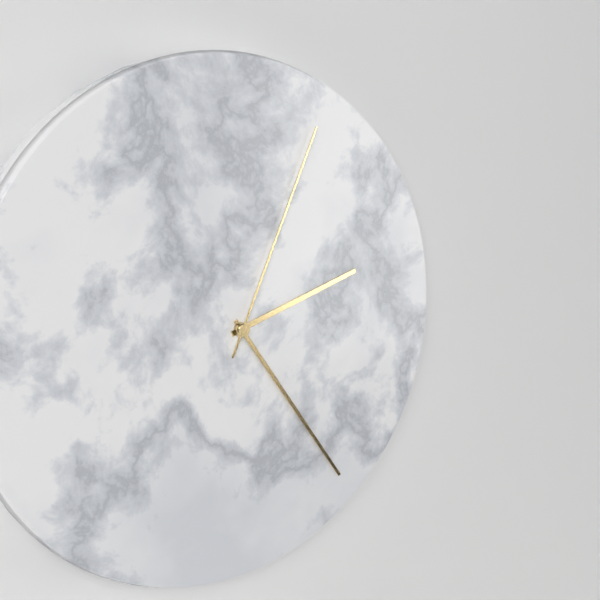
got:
2:24:04
